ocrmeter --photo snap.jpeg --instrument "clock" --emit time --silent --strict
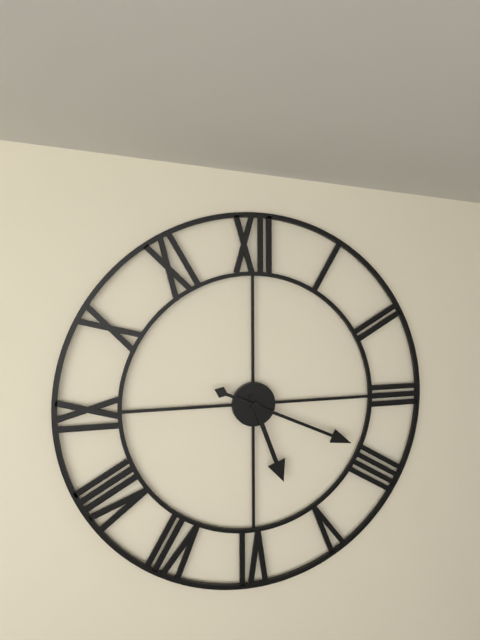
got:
5:19
